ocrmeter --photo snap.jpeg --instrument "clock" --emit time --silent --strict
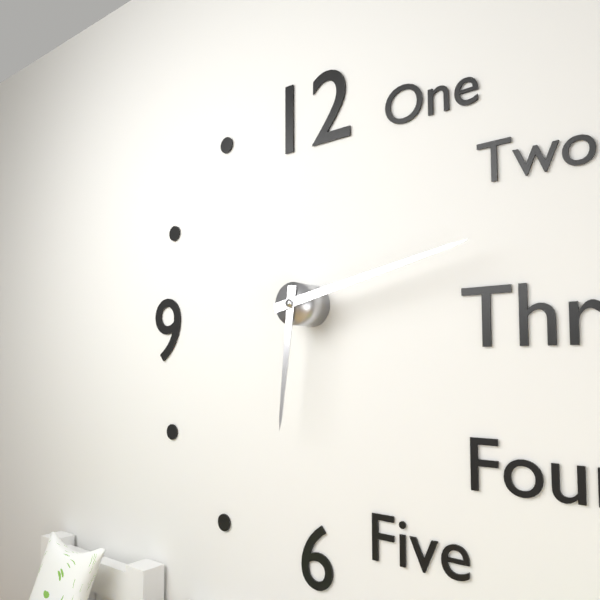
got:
6:13
